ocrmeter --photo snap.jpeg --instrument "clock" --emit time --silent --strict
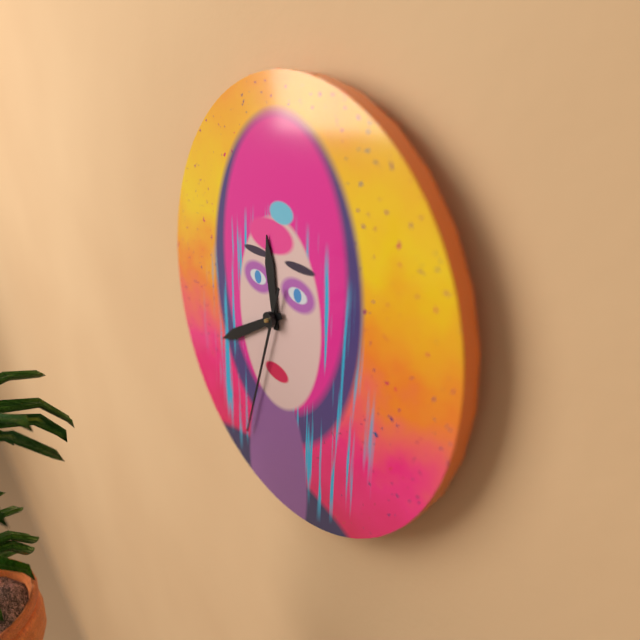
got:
11:40:33
